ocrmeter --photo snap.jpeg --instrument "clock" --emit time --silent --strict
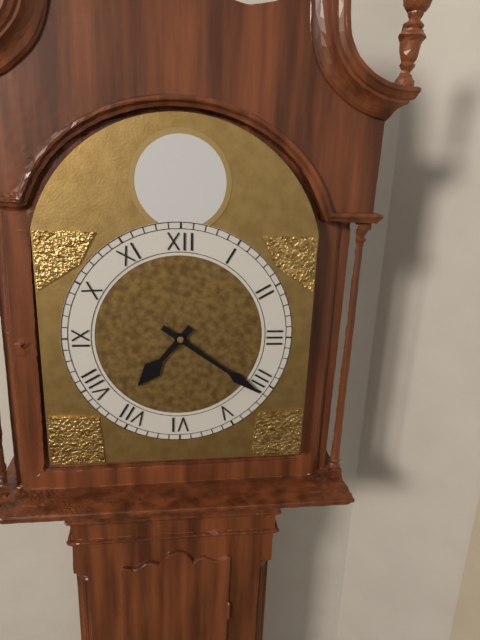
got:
7:21
